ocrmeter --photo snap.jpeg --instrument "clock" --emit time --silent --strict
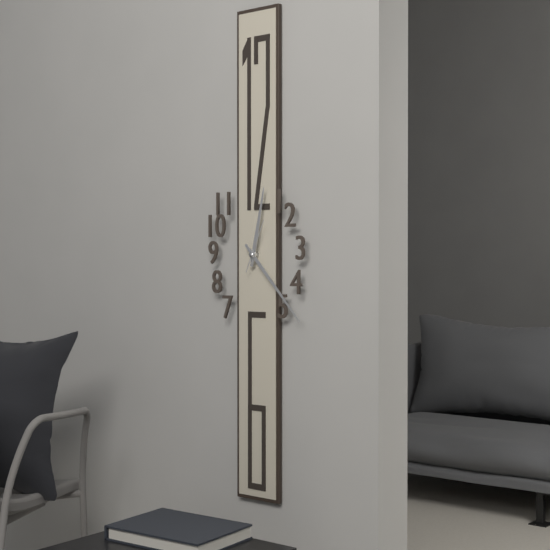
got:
12:23
